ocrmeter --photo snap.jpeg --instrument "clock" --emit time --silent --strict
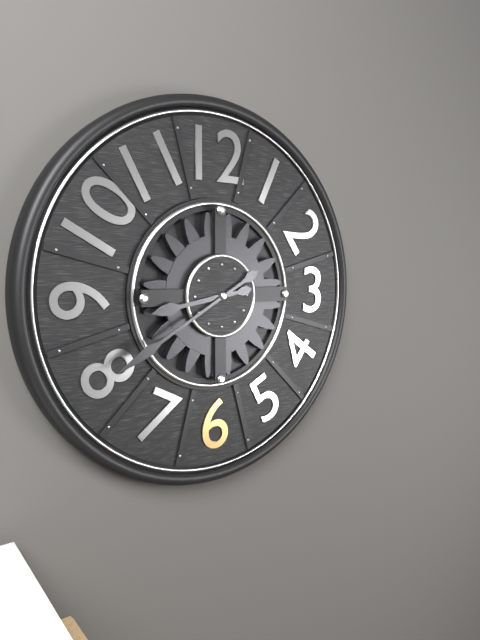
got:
8:40
